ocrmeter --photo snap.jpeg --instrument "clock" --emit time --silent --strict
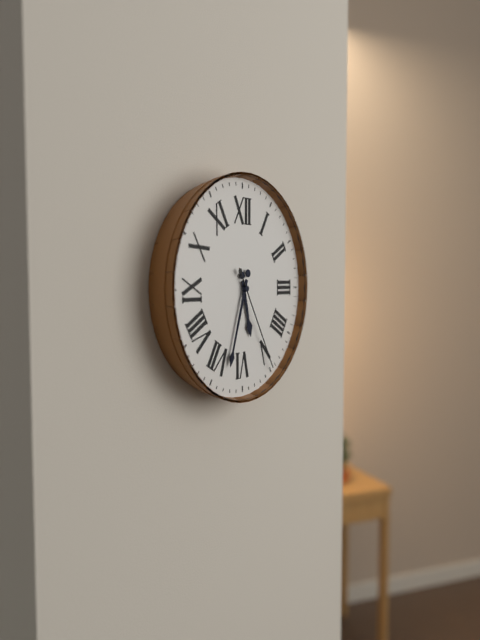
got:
5:33:25
